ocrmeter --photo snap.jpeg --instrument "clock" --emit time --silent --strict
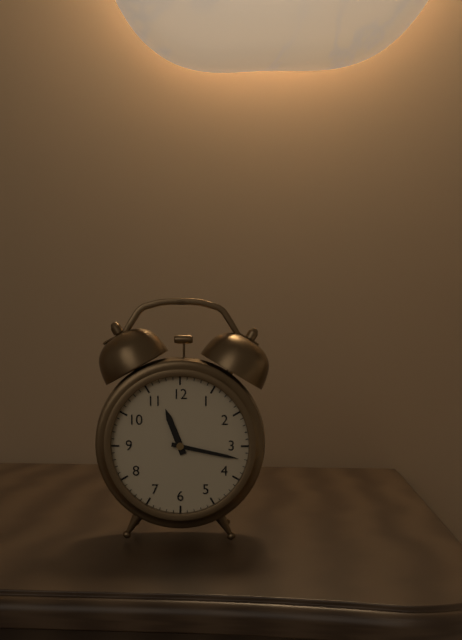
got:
11:17
